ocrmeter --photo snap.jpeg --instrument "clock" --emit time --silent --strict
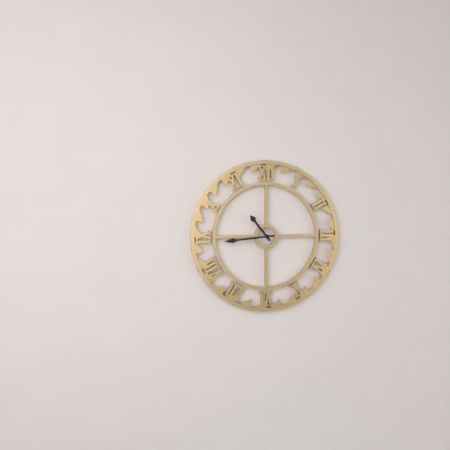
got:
10:44
